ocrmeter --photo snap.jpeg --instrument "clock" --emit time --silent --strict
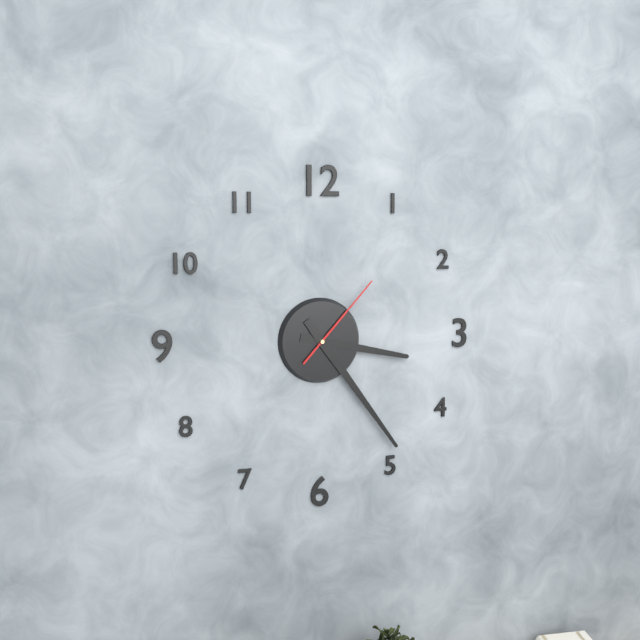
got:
3:24:07
